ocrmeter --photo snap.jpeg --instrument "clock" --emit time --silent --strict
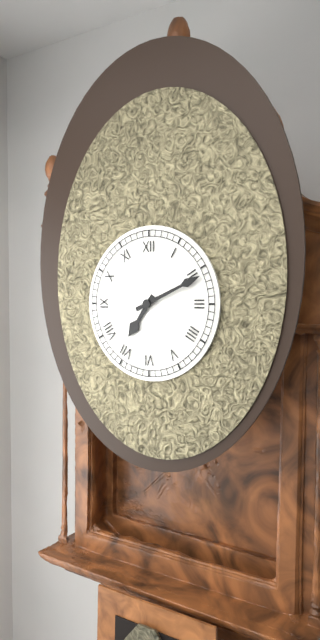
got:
7:11
